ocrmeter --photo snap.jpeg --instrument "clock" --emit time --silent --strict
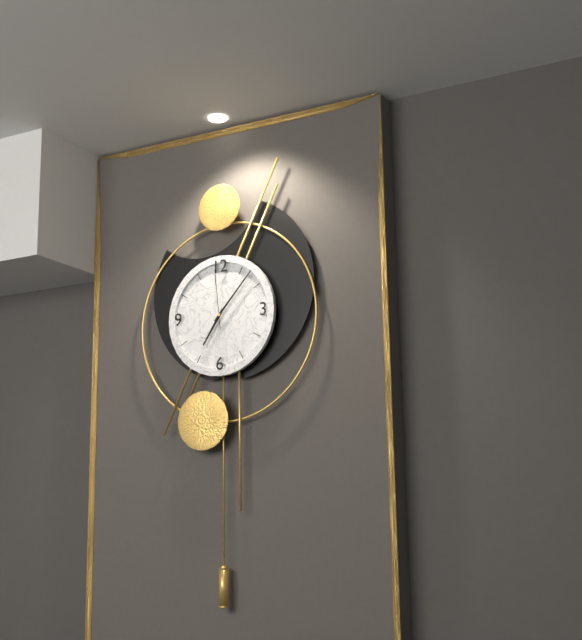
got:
7:07:59
